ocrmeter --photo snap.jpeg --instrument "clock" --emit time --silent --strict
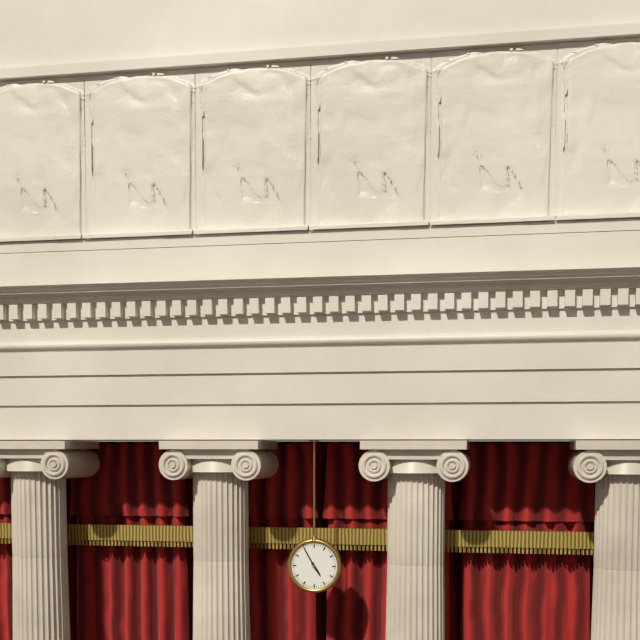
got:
4:55
